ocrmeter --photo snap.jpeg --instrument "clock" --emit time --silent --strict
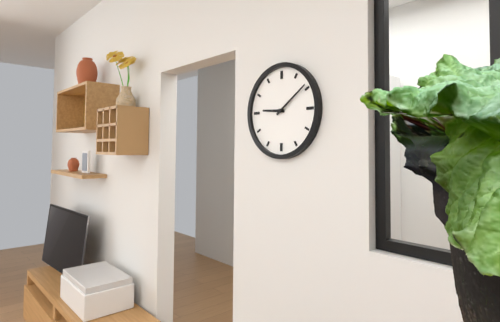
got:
9:09
